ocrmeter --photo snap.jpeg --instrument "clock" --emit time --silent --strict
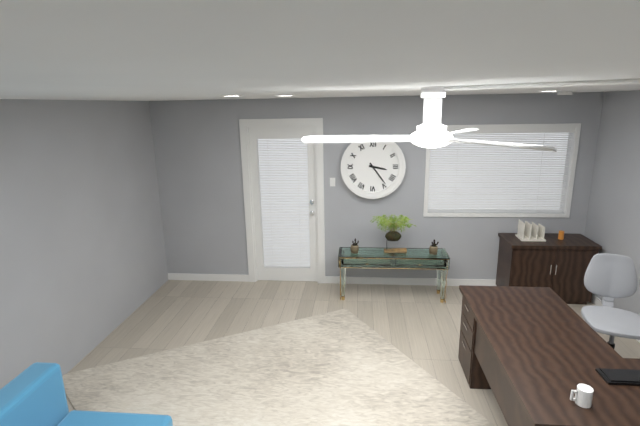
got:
3:24
